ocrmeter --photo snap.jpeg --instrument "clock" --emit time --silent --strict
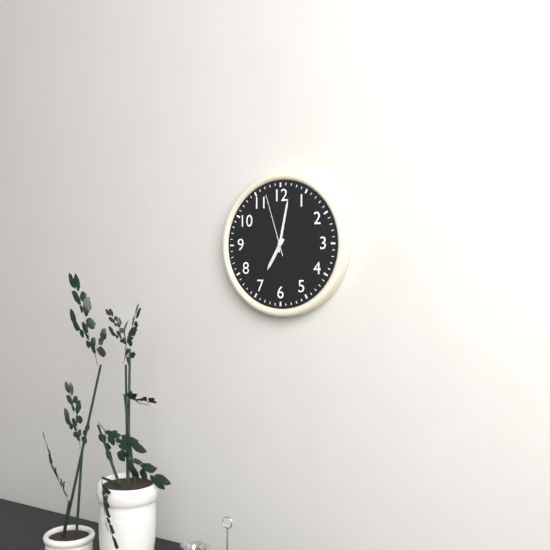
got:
7:02:57
